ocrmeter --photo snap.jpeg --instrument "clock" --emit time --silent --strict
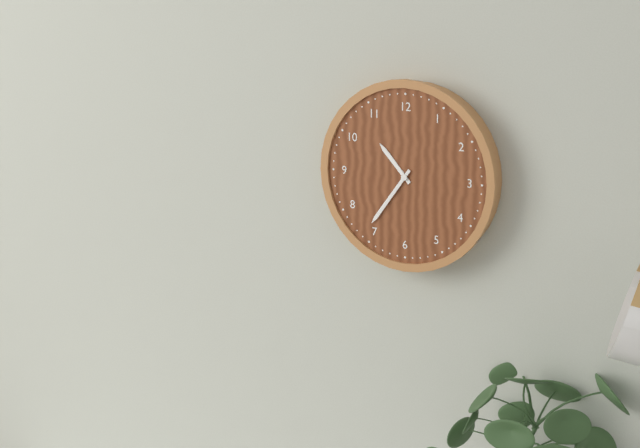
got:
10:36
